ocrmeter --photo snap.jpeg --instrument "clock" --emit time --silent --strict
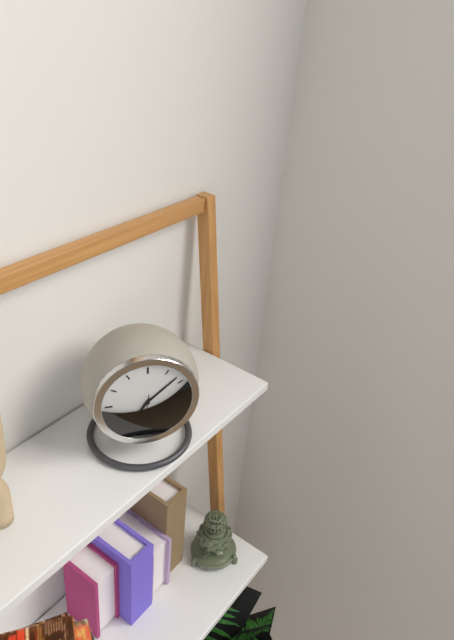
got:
7:08
